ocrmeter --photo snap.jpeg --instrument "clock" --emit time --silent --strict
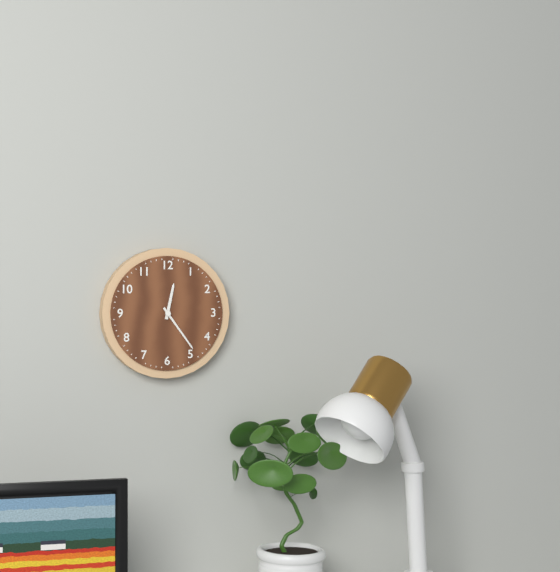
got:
12:24
